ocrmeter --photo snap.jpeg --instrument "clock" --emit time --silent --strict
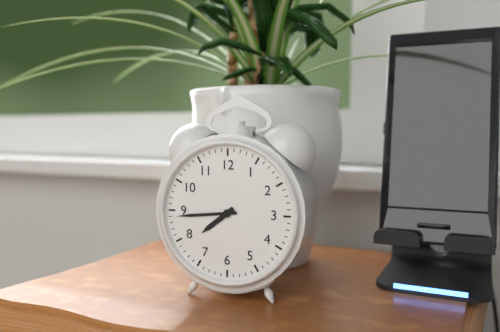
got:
7:44
